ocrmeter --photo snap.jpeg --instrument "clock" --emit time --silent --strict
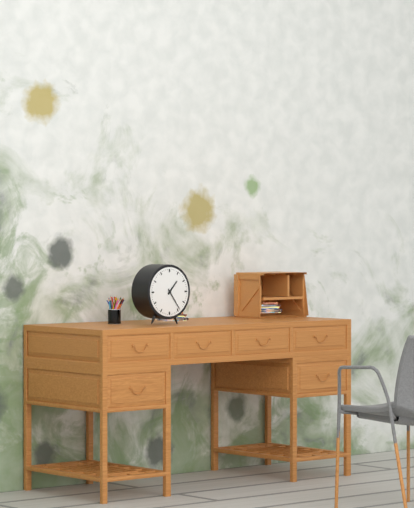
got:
1:24
